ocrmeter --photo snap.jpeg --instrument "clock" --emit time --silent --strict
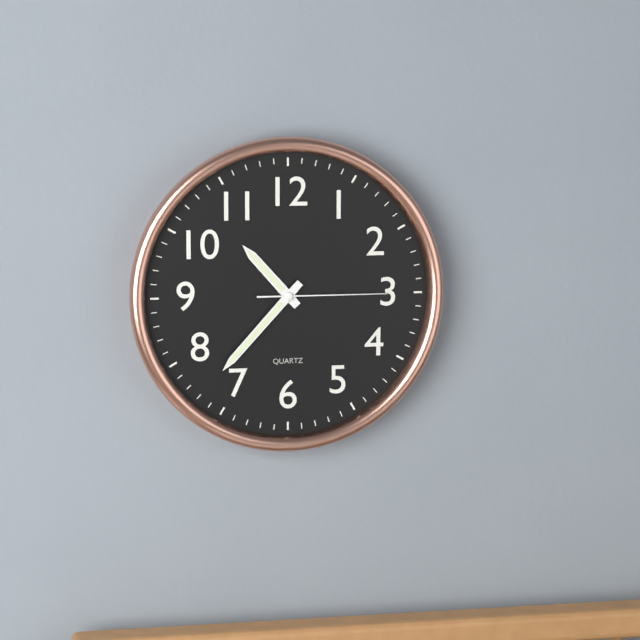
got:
10:37:15
